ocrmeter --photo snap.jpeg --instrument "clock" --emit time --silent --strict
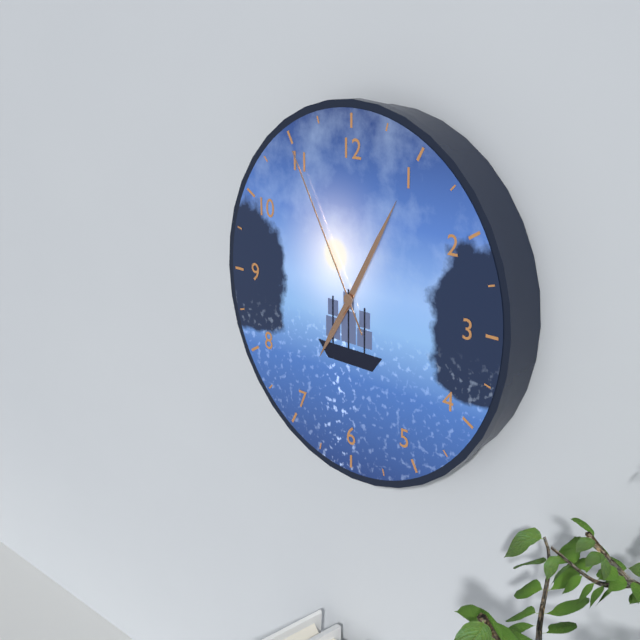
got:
7:05:55
